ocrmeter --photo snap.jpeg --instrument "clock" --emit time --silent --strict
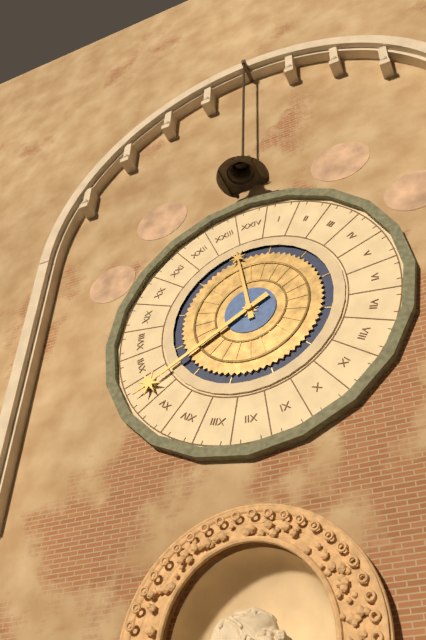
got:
11:40
